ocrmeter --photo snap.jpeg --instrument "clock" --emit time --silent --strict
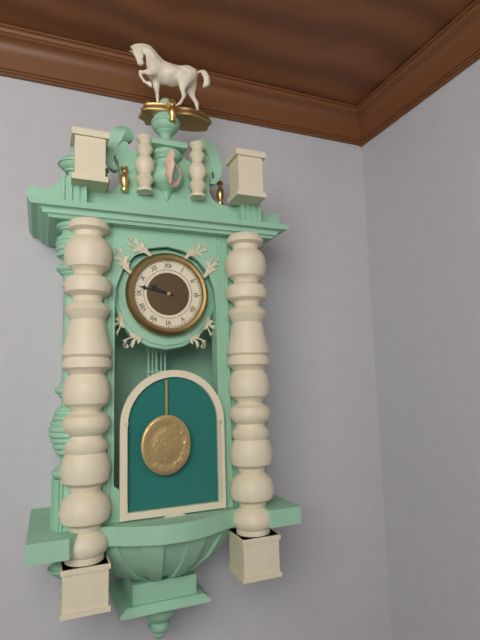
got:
9:47
